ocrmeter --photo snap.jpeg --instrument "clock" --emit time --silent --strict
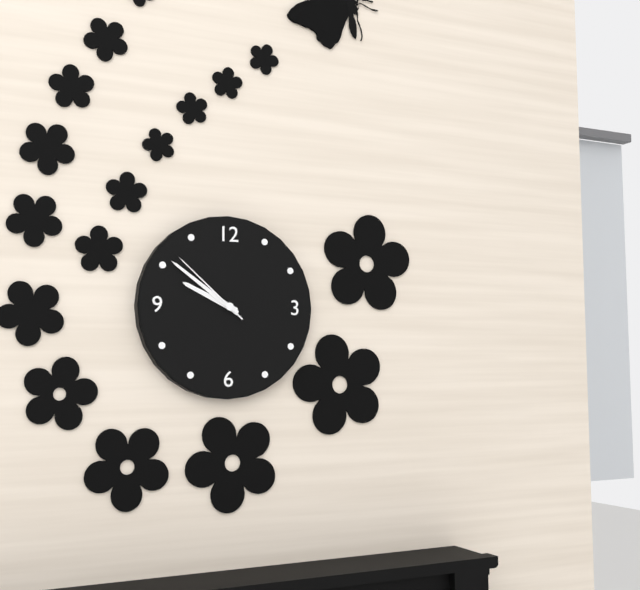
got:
9:51:52
